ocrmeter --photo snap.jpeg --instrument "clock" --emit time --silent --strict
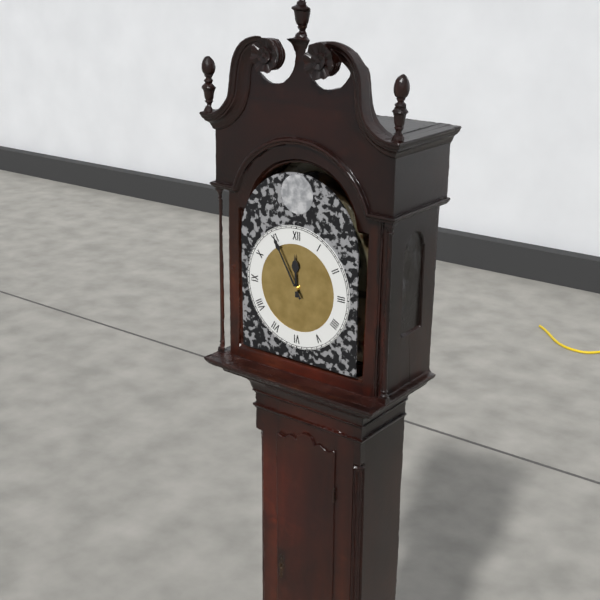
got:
11:55
